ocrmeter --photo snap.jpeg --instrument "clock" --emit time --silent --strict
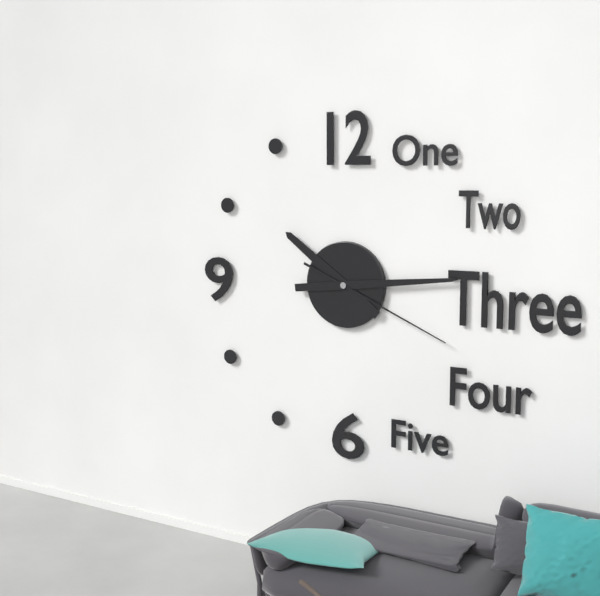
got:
10:14:19
